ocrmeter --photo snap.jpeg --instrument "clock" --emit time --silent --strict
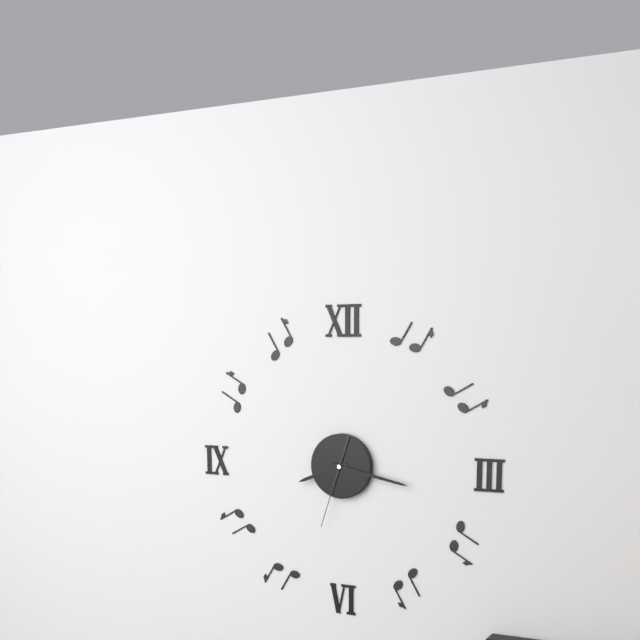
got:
8:17:33
